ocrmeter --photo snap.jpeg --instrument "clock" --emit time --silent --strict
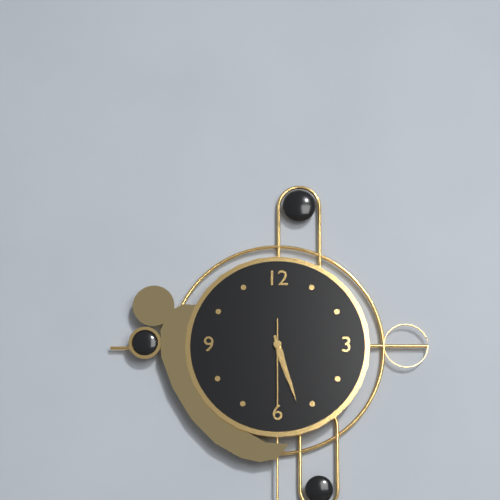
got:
5:27:30
